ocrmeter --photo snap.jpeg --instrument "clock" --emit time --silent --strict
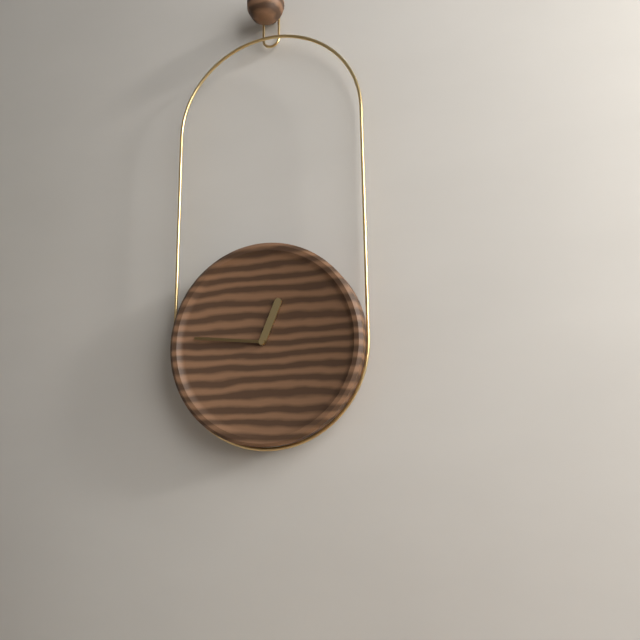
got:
12:46
